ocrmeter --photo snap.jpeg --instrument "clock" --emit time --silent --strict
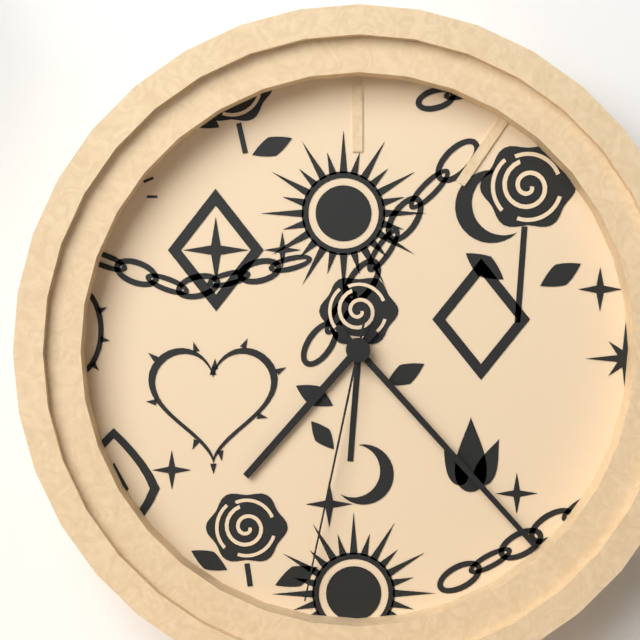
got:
7:23:32
